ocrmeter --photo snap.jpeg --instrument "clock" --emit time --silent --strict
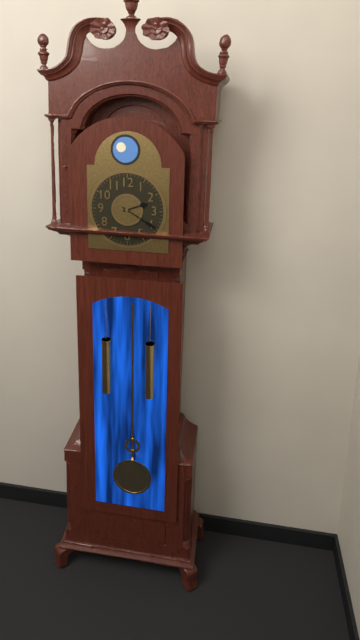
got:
2:20
